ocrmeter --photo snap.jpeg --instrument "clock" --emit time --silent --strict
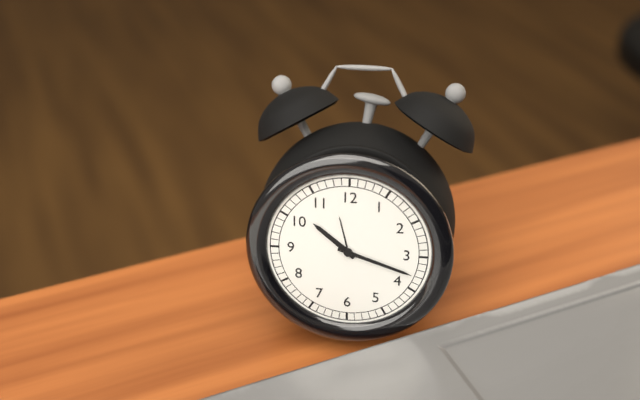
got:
10:18
